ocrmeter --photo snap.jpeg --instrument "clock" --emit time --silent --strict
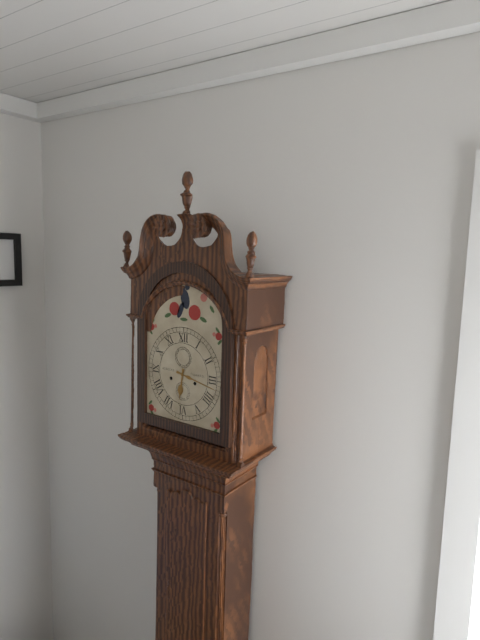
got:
6:17
